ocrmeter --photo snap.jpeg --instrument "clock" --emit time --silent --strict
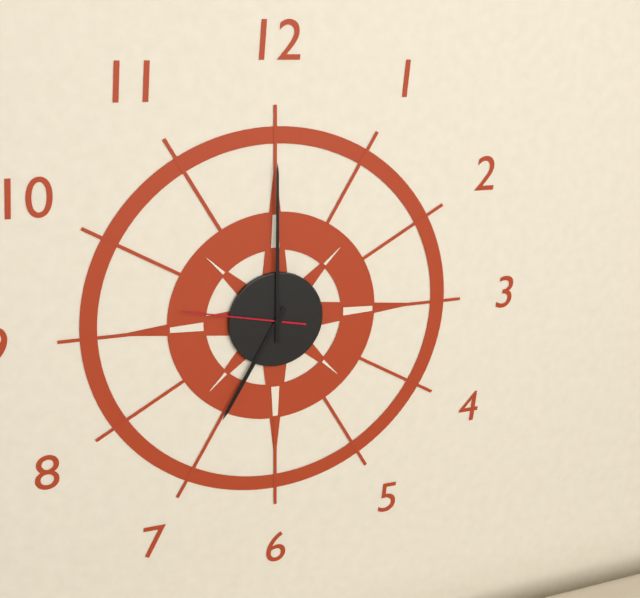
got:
7:00:47
